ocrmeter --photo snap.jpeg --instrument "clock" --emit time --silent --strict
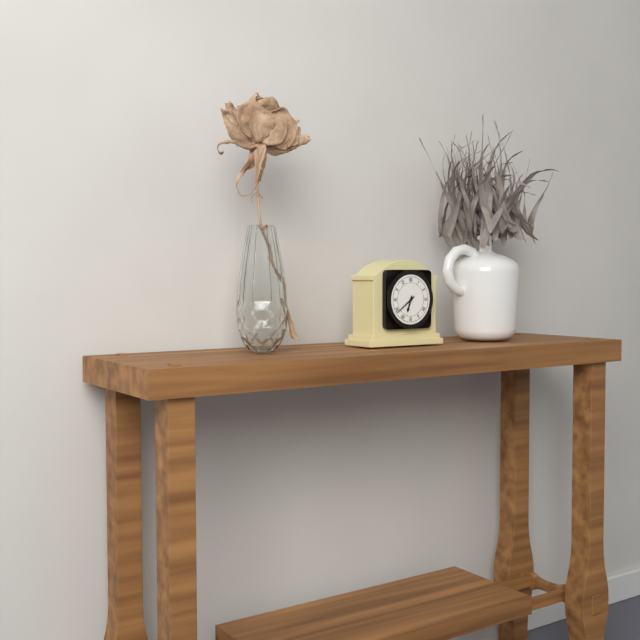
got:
6:39
